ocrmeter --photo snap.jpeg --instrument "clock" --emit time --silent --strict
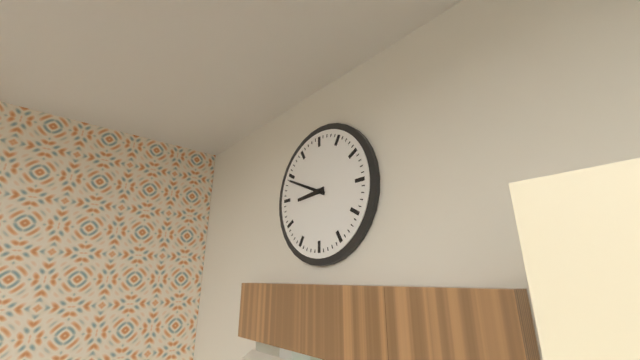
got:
8:49
